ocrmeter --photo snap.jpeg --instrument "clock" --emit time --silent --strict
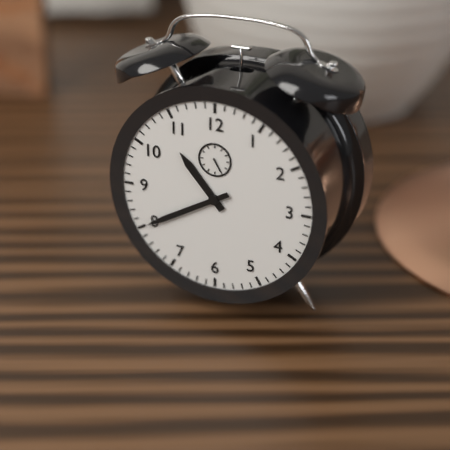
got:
10:40
